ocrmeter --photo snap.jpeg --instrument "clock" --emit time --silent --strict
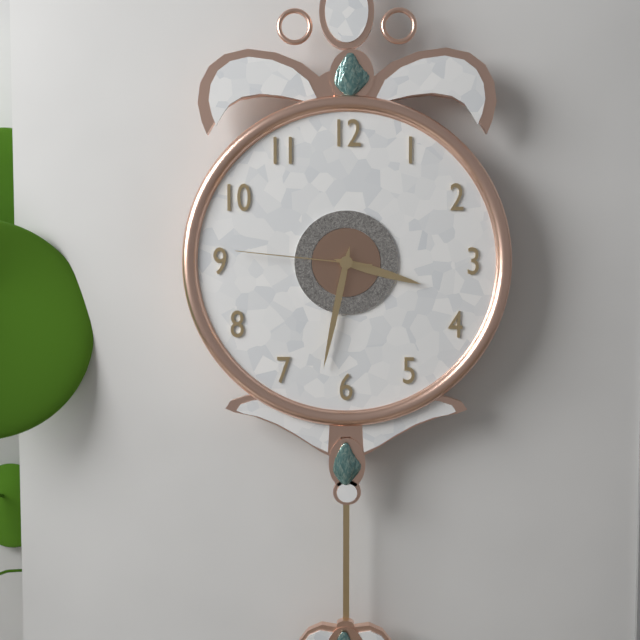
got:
3:32:46
